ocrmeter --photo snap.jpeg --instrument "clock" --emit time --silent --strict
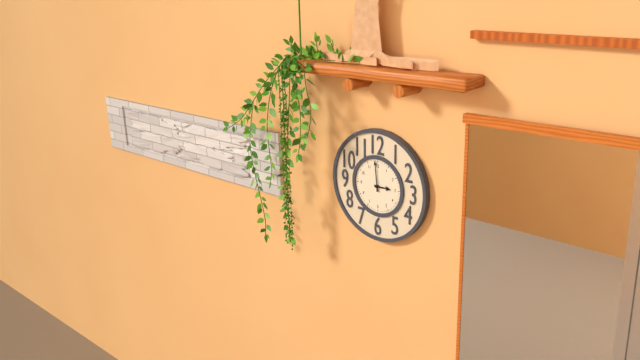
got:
2:59
